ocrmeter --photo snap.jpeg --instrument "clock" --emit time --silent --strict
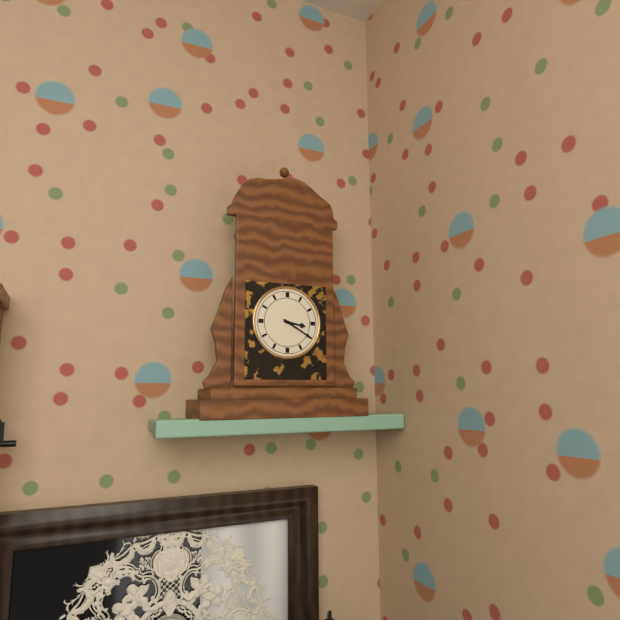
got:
3:20
